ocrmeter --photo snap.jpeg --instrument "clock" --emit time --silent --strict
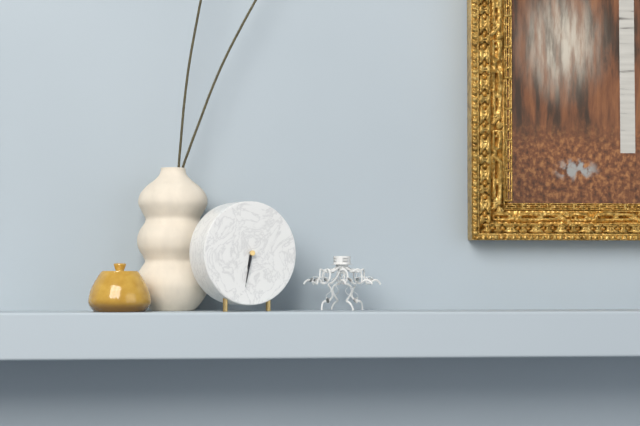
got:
6:32
